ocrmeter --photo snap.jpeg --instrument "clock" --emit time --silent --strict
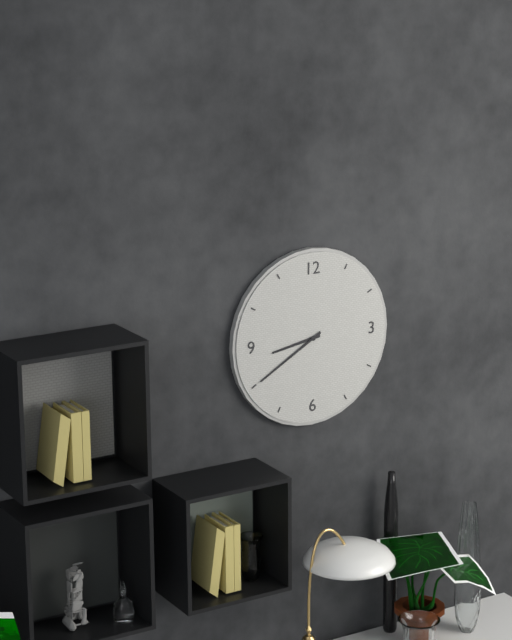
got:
8:40
